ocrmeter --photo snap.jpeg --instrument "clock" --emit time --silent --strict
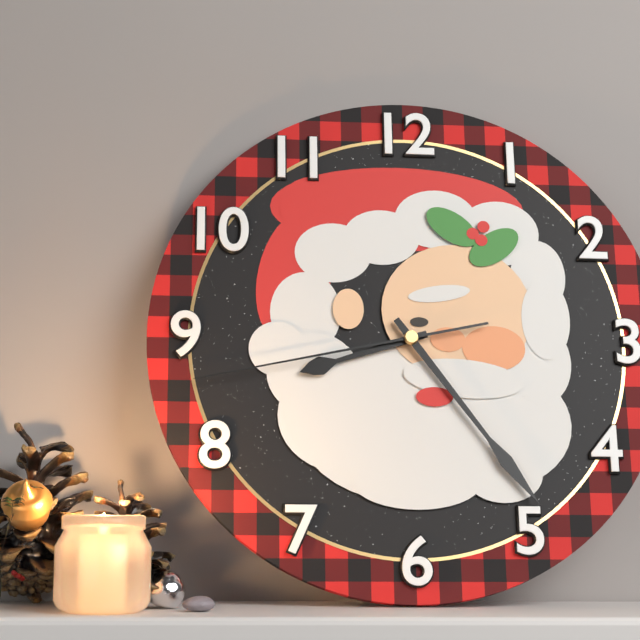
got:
8:24:43
